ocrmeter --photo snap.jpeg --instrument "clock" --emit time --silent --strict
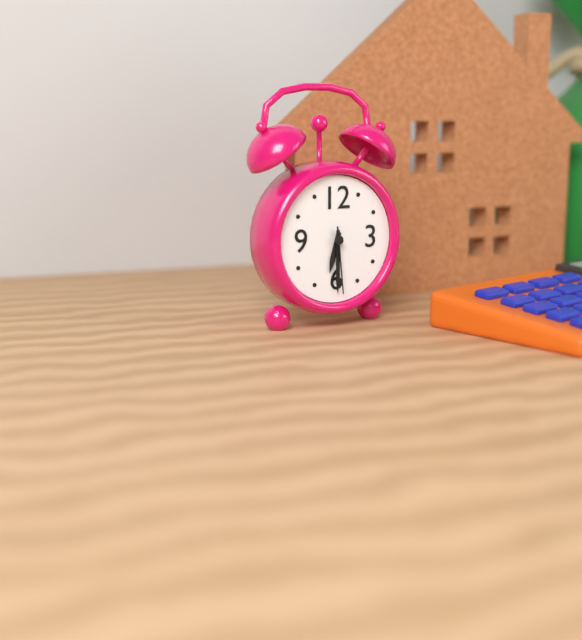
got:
6:30:29
